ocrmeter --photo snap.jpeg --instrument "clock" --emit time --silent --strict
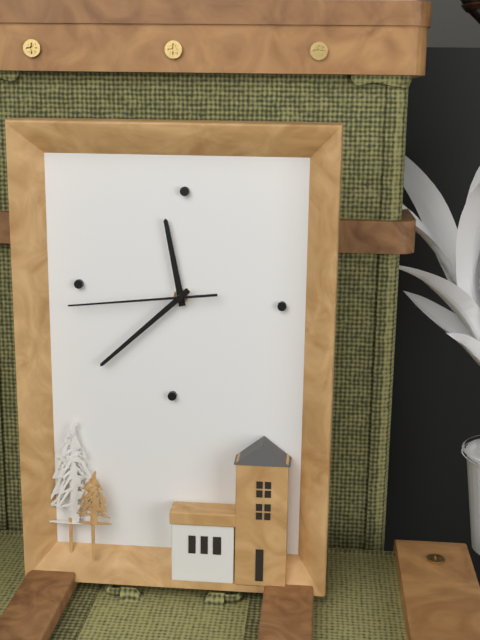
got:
11:38:44
